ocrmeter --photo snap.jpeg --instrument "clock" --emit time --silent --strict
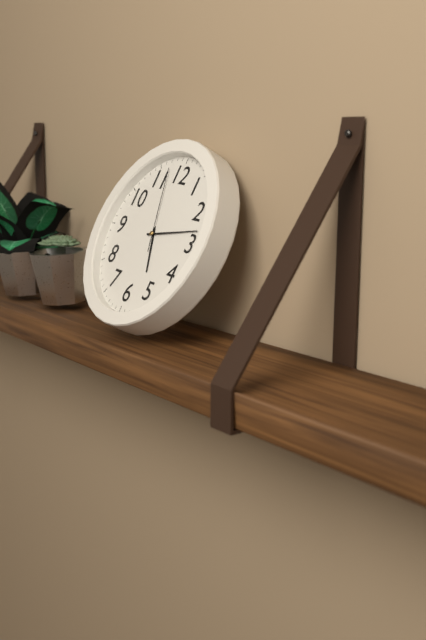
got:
5:13:57
